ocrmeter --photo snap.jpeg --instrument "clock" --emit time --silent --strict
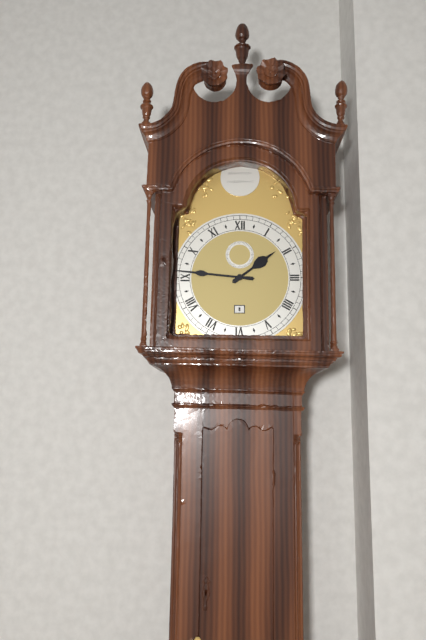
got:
1:46
